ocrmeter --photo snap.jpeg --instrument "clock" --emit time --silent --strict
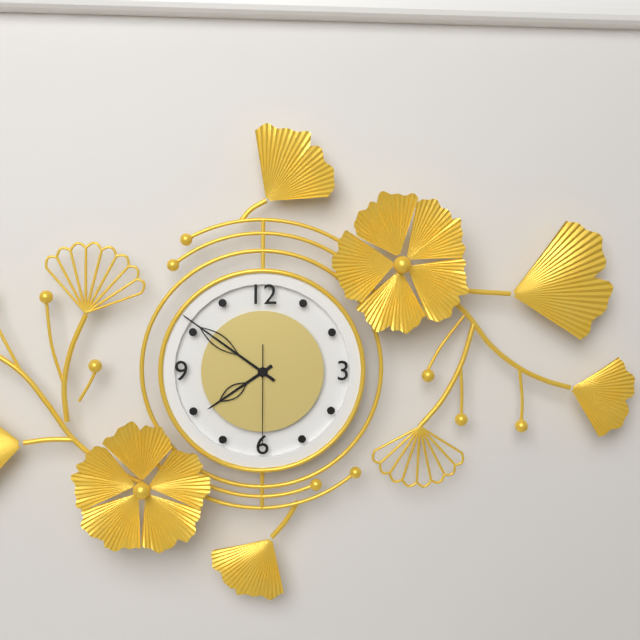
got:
7:51:30
